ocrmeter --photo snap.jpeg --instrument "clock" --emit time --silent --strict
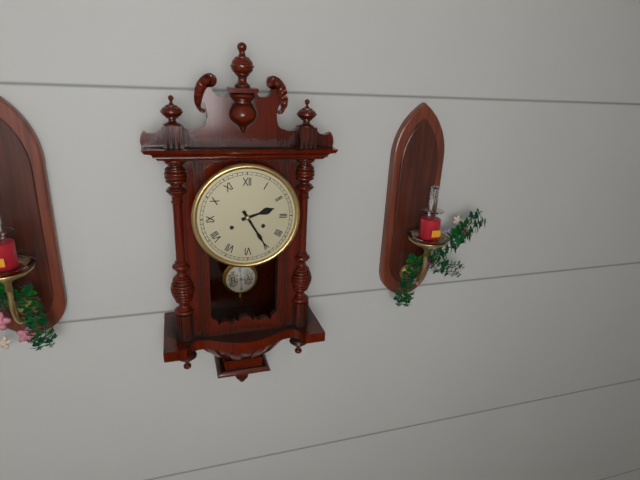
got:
2:25
